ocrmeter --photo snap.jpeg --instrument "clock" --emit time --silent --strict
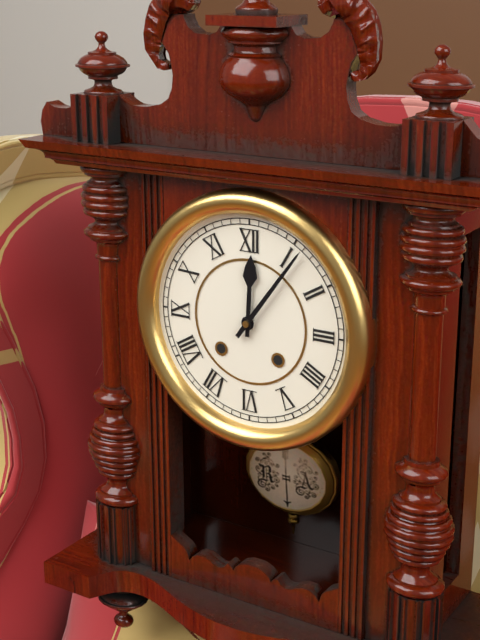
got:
12:06
